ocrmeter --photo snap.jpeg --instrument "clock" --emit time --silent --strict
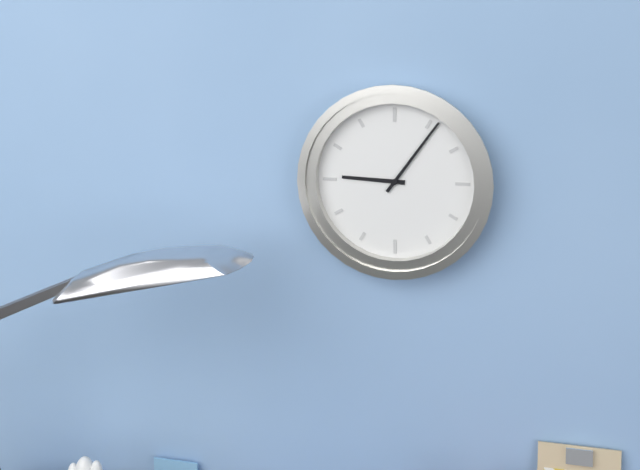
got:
9:06
